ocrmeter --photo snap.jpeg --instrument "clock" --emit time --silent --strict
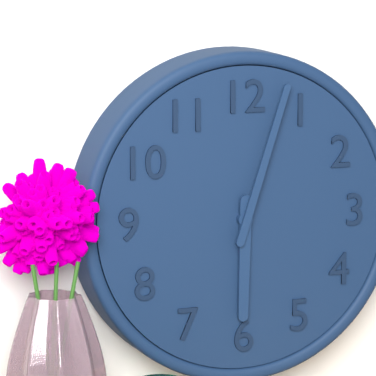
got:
6:03
